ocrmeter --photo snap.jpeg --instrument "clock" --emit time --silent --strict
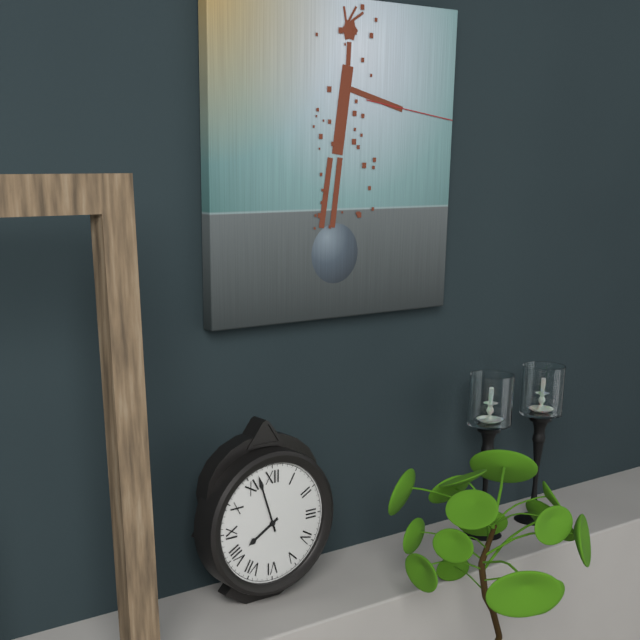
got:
7:57
